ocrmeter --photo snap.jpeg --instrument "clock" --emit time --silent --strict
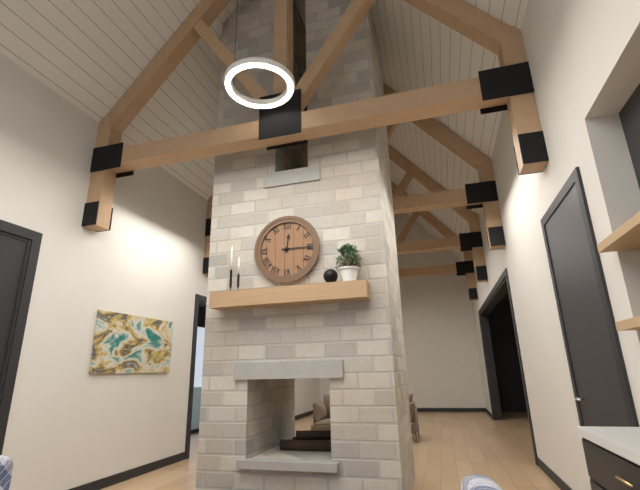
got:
12:15
